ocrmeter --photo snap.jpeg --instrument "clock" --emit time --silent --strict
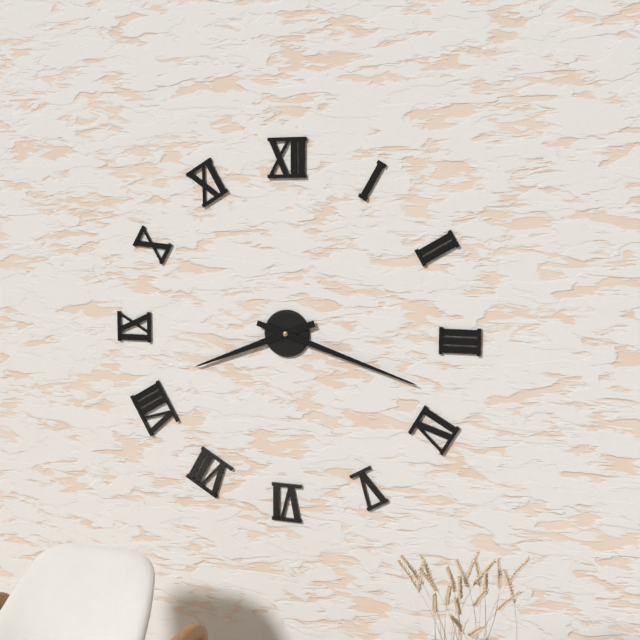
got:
8:18
